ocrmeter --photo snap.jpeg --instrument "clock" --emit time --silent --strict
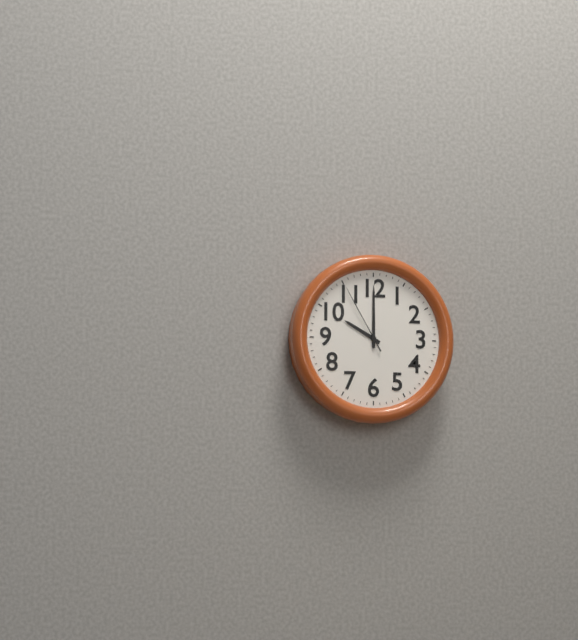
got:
10:00:55
